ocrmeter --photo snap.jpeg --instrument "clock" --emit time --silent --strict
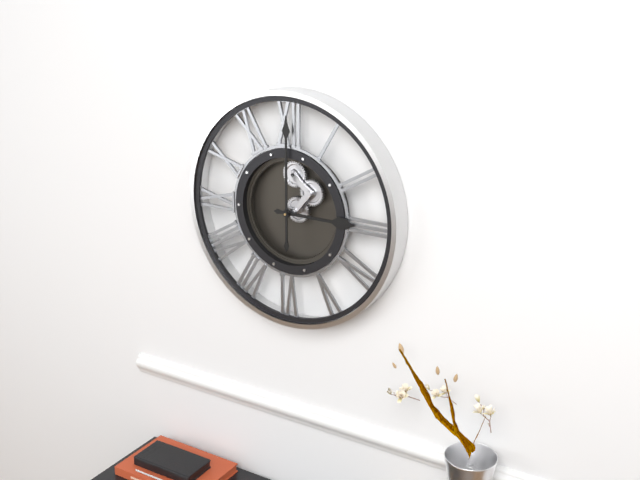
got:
3:00
